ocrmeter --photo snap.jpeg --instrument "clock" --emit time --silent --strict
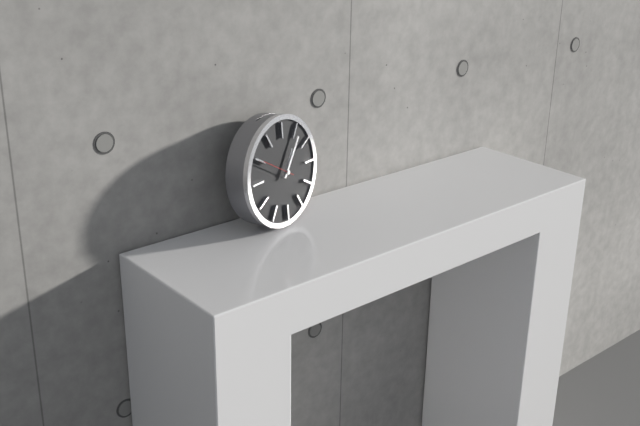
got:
1:06
